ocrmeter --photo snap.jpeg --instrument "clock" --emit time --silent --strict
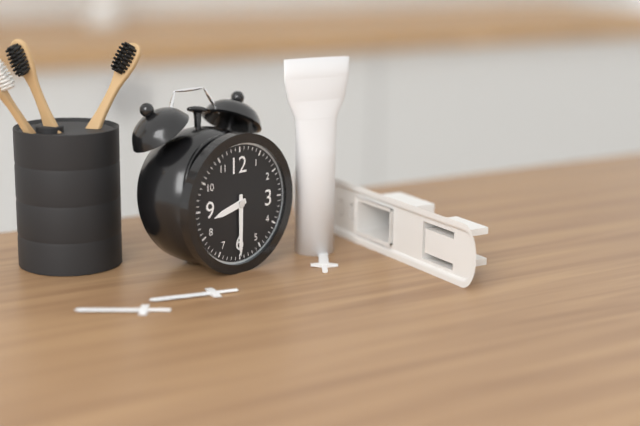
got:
8:30
